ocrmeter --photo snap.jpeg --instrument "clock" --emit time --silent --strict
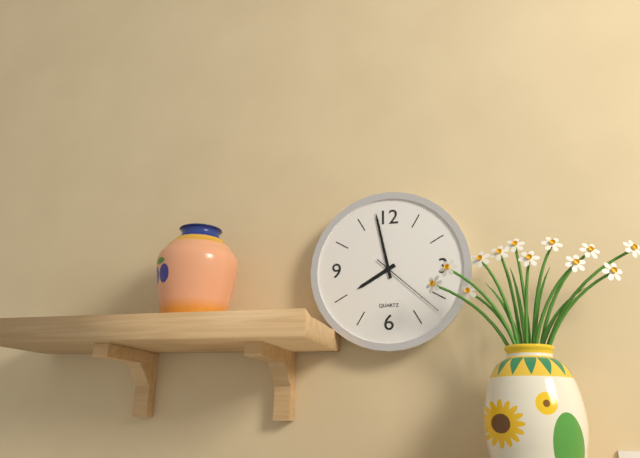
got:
7:58:22
